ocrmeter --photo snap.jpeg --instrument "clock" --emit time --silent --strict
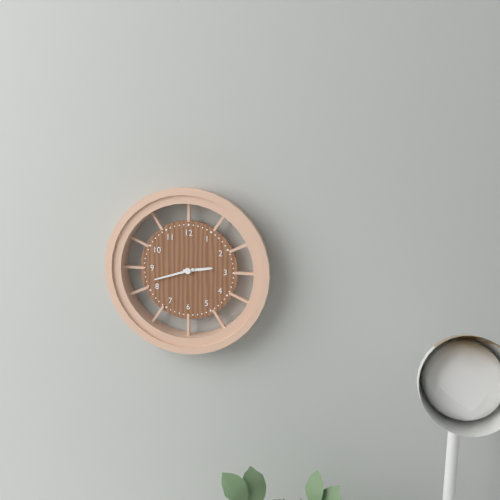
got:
2:42
